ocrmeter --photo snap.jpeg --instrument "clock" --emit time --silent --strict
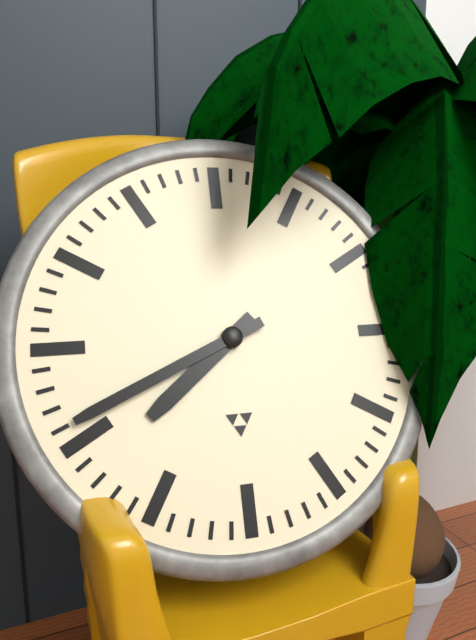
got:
7:41
